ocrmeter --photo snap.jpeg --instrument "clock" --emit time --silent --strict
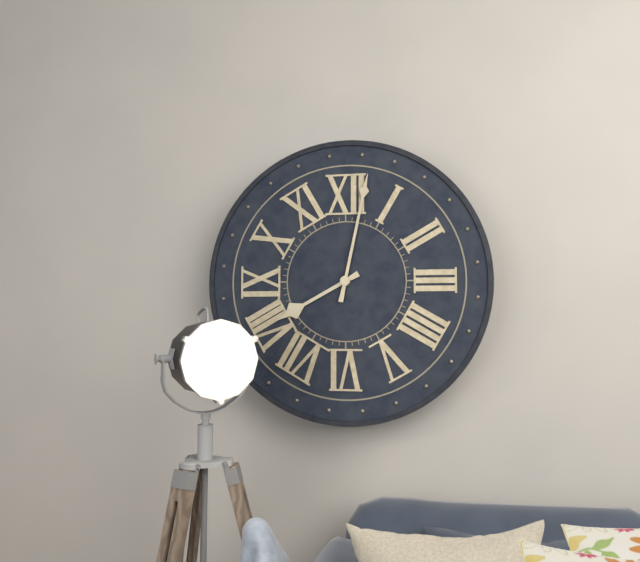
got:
8:02
